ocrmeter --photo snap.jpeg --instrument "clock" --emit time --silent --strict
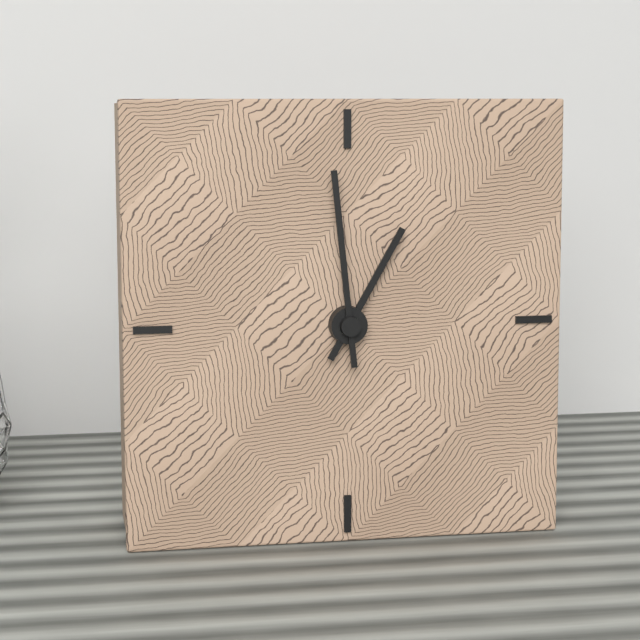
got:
12:59
